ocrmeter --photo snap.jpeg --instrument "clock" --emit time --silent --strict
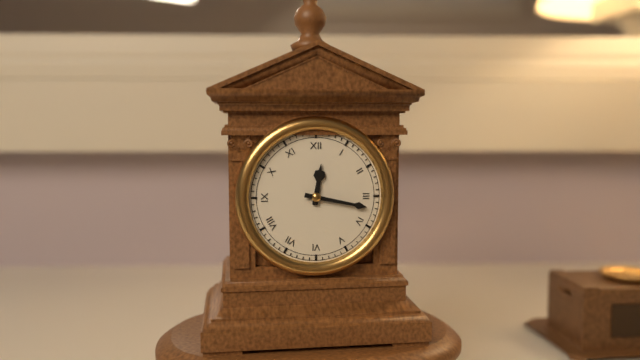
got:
12:17
